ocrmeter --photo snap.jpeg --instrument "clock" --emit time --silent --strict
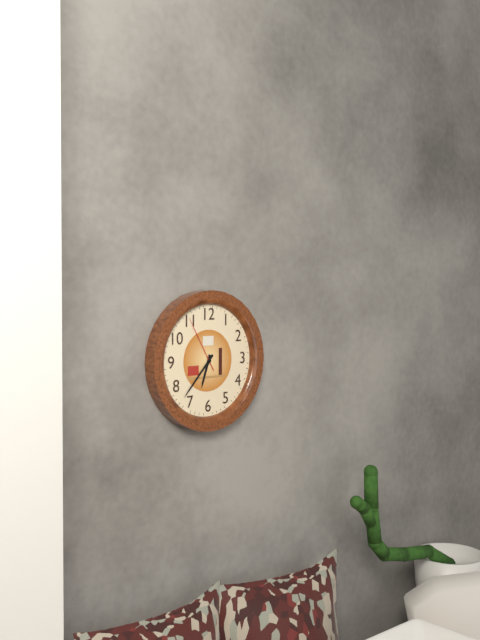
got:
6:37:55
